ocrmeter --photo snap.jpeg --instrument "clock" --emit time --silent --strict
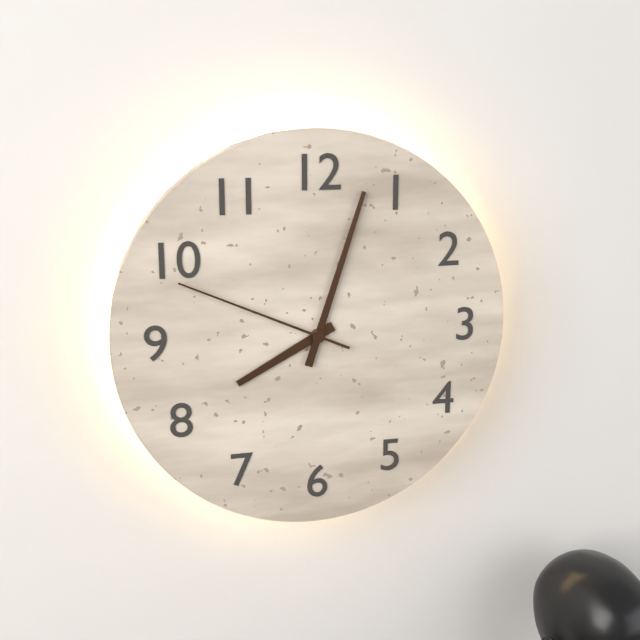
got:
8:03:49
